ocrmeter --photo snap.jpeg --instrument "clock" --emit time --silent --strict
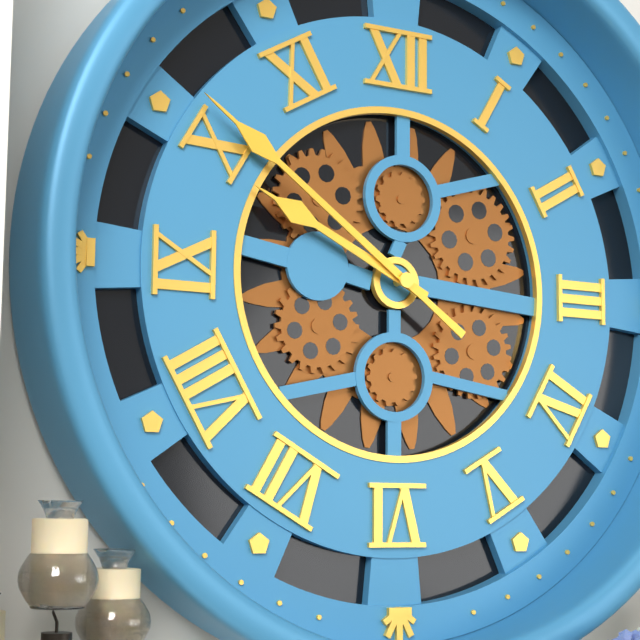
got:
9:51
